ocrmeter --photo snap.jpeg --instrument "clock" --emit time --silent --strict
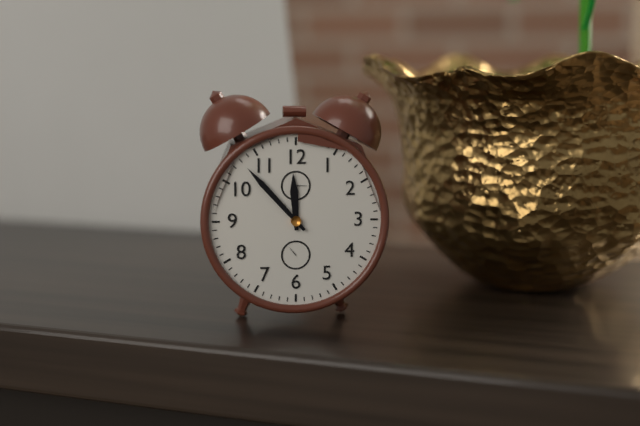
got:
11:53
